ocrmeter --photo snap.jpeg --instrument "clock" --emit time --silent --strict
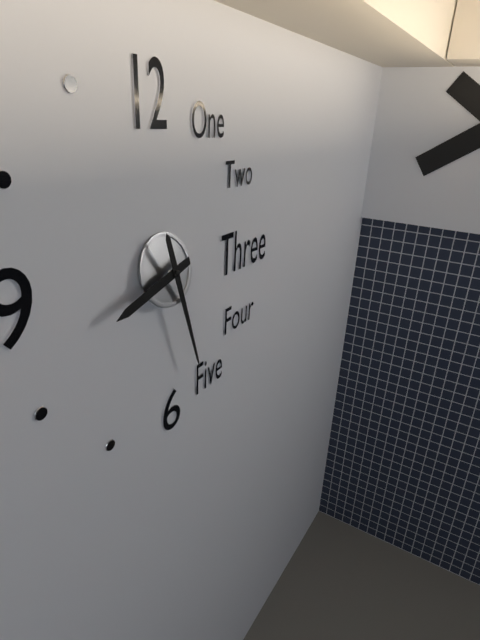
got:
8:27
